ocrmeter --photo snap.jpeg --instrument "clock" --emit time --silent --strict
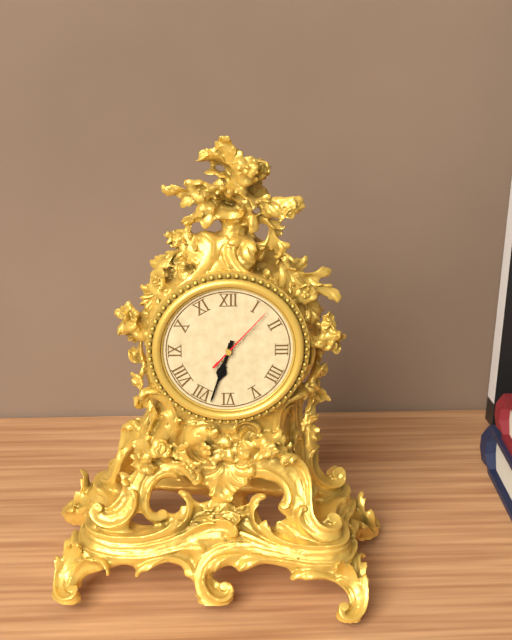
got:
6:33:07
